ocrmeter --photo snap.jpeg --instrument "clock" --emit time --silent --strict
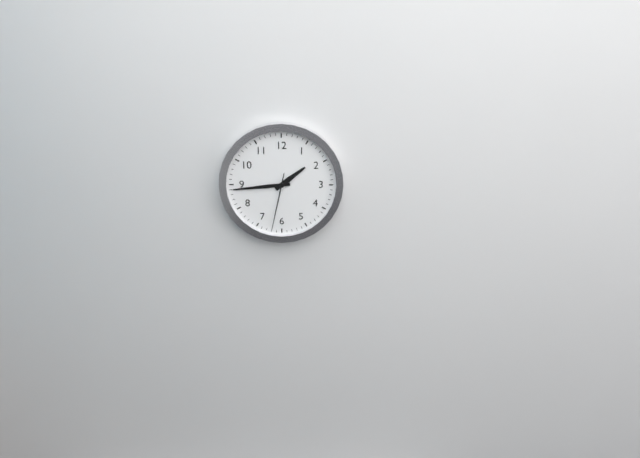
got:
1:44:32
